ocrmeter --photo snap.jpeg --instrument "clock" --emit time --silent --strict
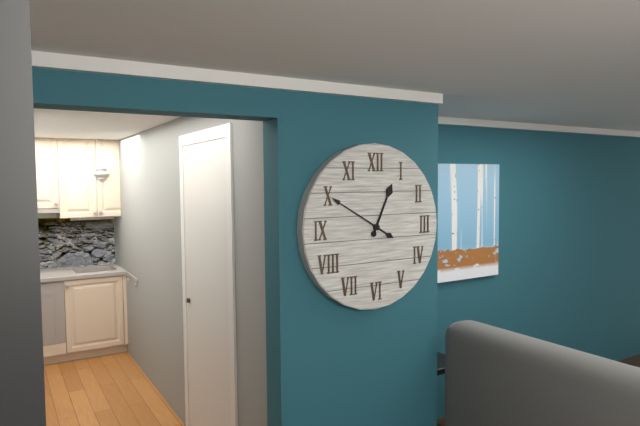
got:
12:50
